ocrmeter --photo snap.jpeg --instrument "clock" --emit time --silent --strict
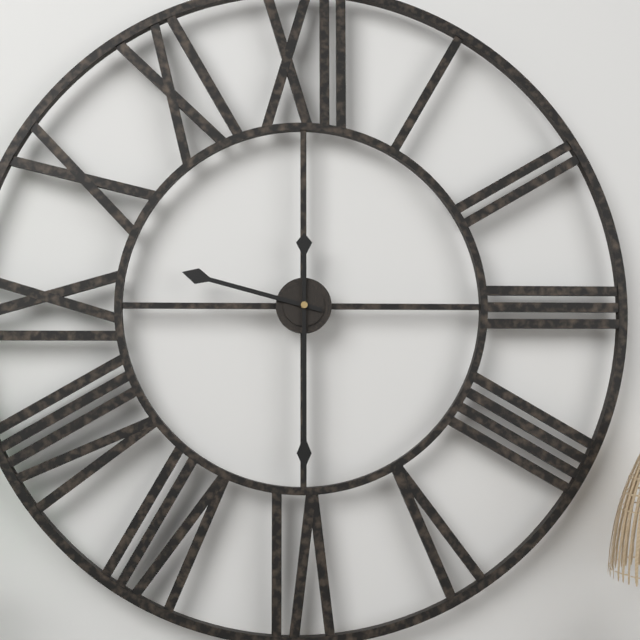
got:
9:30
